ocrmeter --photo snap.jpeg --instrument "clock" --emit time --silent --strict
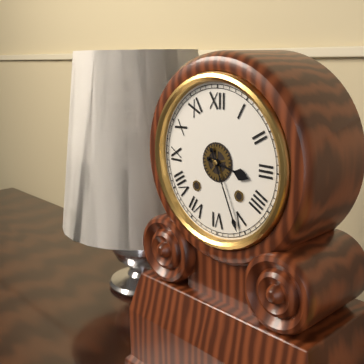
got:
3:26
